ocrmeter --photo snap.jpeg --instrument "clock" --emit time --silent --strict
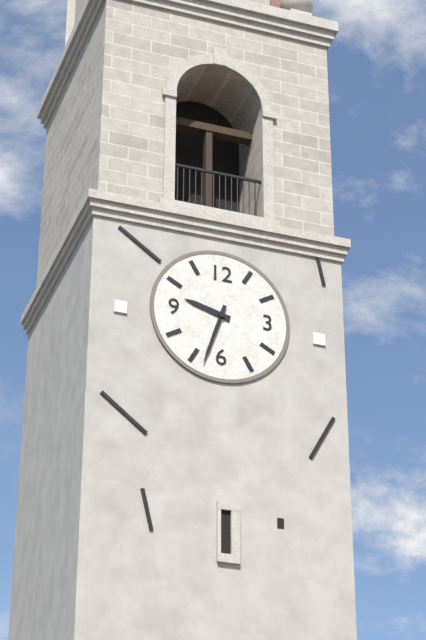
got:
9:33
